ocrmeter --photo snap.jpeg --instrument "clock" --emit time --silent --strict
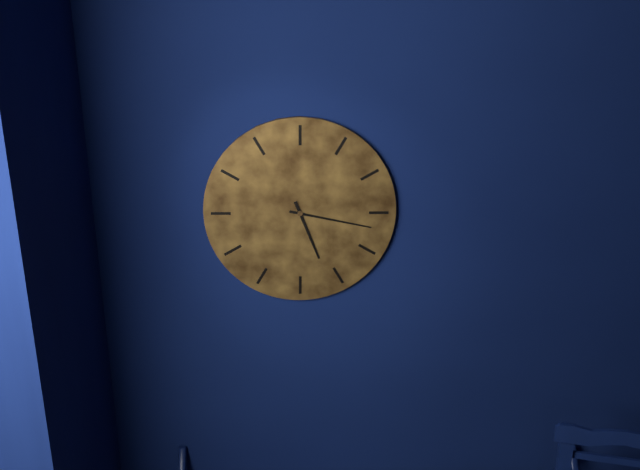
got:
5:17
